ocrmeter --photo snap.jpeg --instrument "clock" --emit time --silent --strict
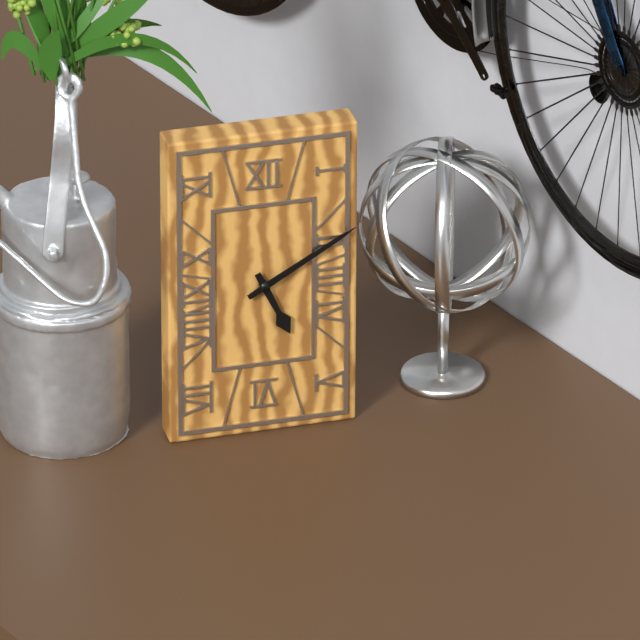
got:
5:10
